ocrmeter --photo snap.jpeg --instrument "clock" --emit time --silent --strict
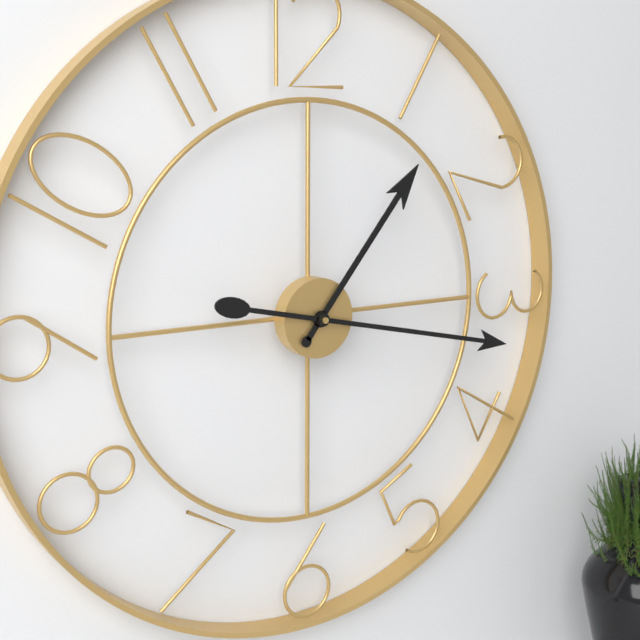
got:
1:17
